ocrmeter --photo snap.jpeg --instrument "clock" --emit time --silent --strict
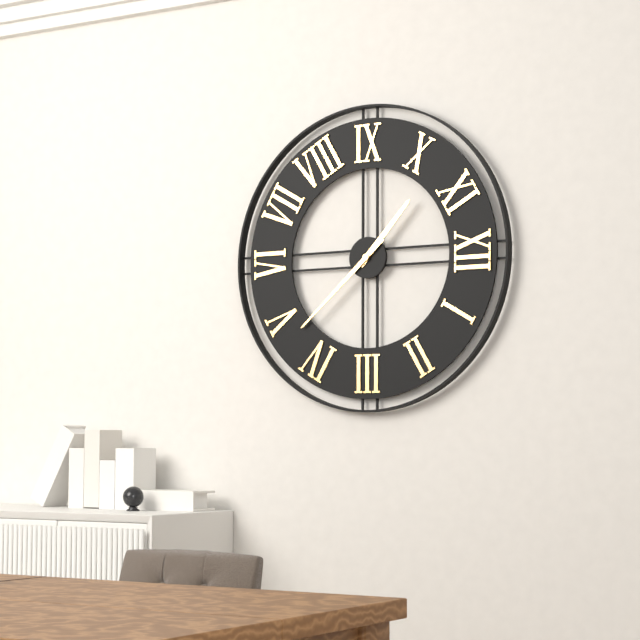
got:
10:23
